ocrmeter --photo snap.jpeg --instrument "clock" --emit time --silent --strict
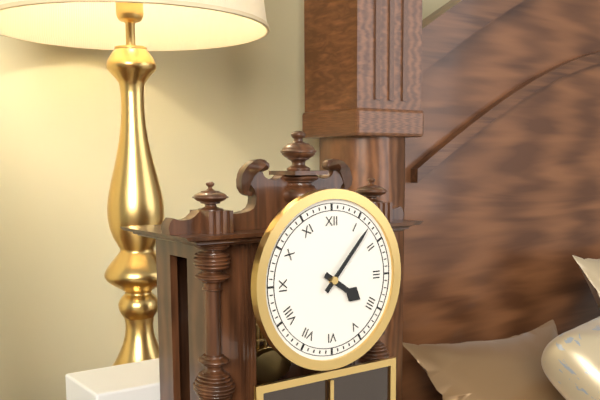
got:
4:07
